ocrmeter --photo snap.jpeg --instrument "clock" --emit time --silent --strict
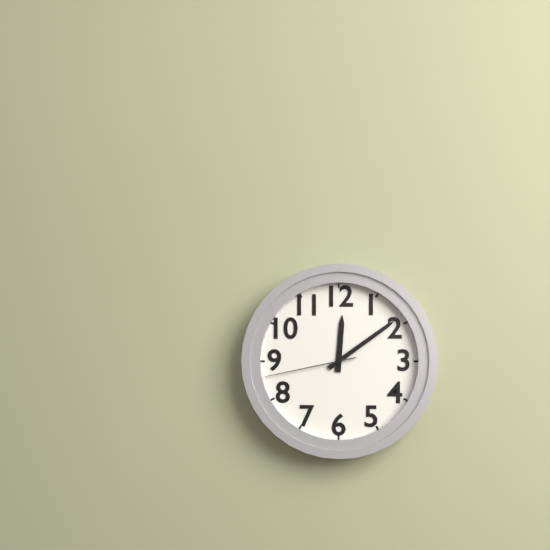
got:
12:09:43
